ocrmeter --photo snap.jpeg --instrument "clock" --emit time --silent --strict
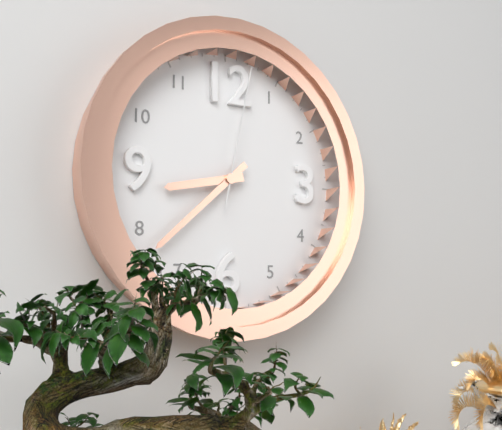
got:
8:38:02
